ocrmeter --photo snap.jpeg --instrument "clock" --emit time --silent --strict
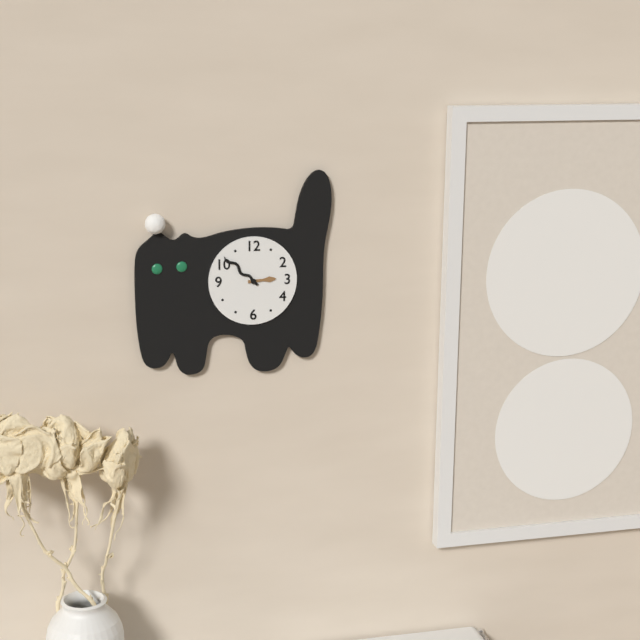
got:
2:52
